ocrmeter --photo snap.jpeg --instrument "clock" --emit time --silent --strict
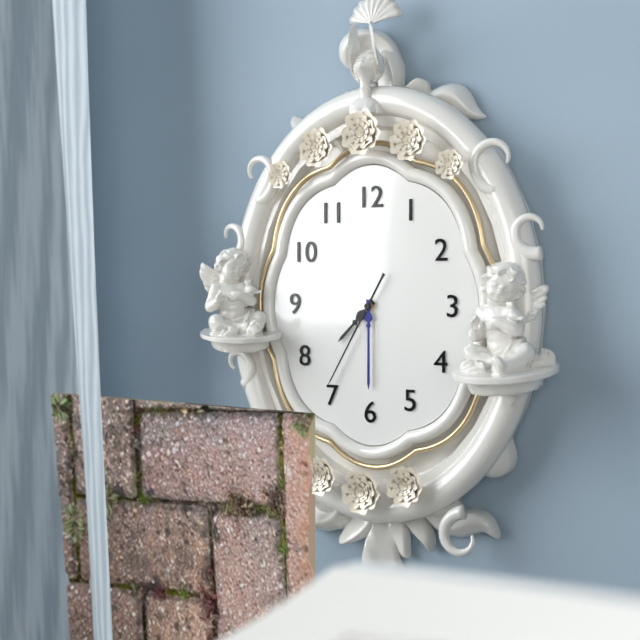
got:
7:30:35
